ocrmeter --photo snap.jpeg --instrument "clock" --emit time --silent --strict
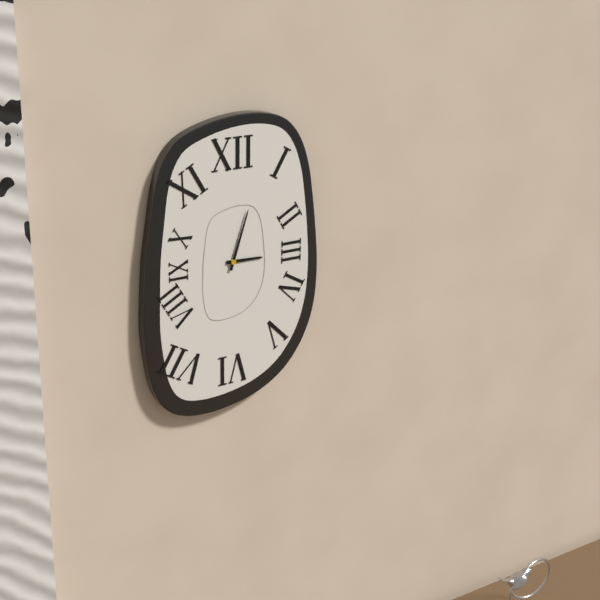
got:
3:03
